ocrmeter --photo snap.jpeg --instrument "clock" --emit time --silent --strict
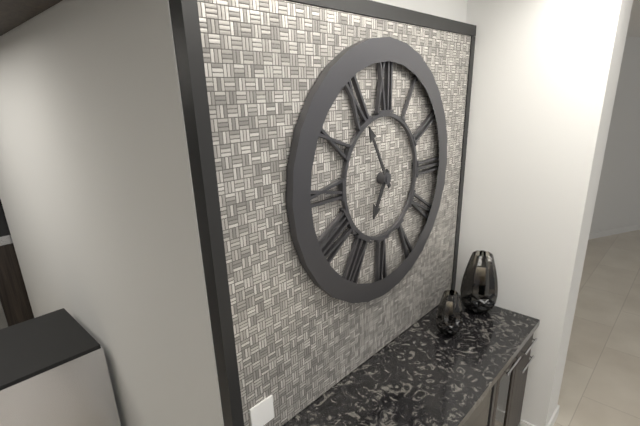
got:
6:55
